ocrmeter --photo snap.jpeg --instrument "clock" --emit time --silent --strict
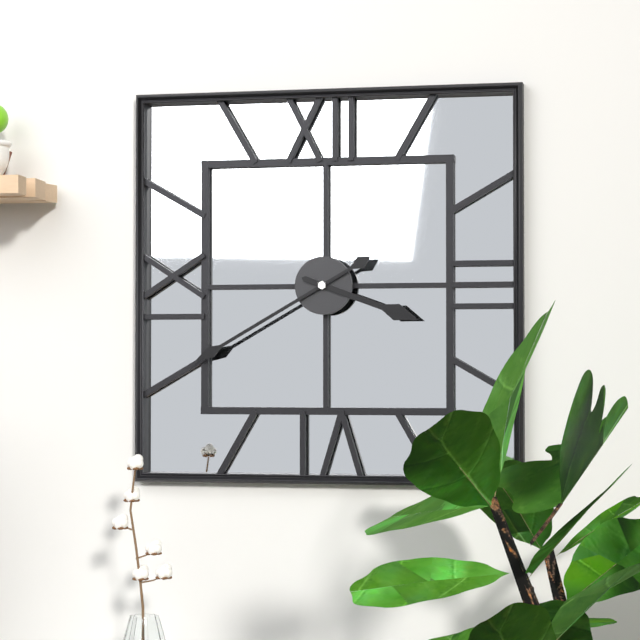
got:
3:40
